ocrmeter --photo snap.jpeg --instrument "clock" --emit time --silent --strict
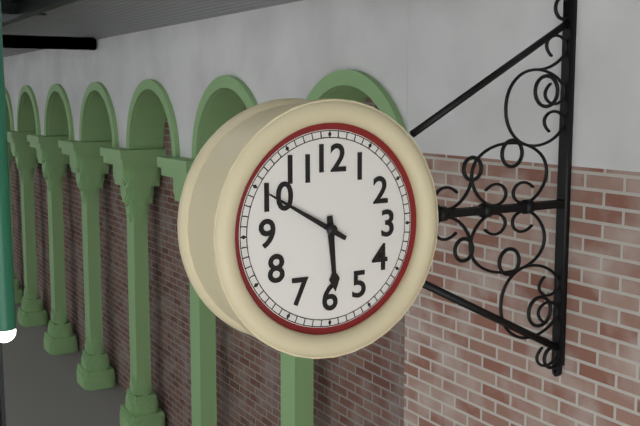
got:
5:50
